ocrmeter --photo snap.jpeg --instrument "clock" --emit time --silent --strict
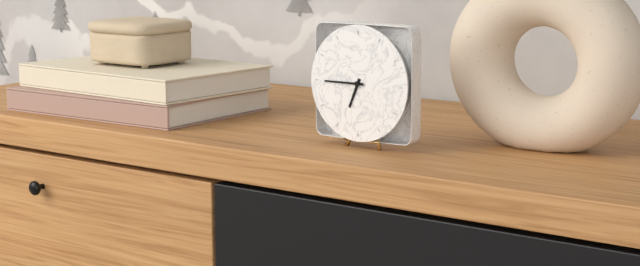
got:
6:45
